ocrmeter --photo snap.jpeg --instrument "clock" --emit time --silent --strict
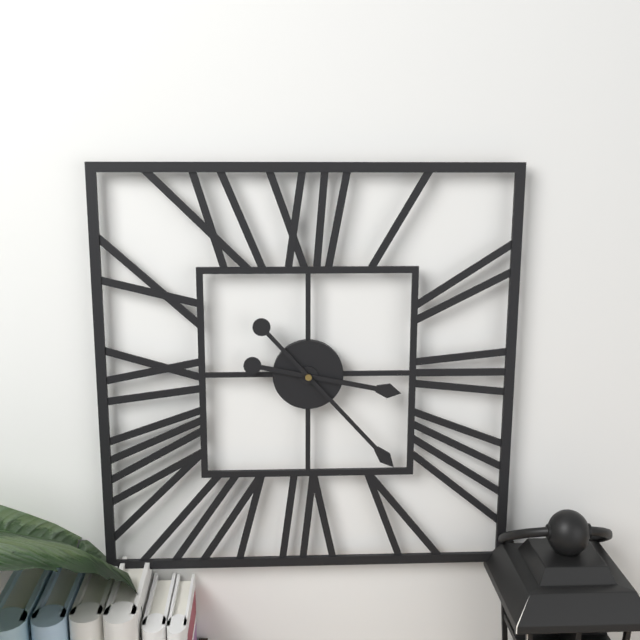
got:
3:23
